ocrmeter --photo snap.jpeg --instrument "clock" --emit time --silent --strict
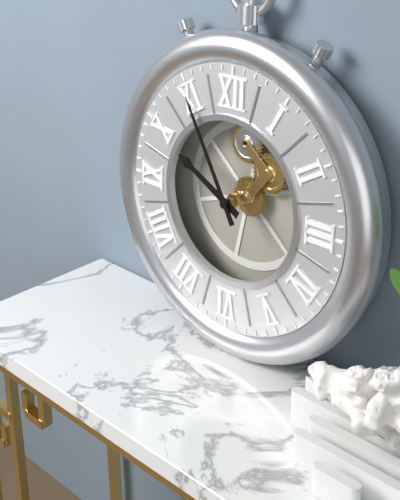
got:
9:55
